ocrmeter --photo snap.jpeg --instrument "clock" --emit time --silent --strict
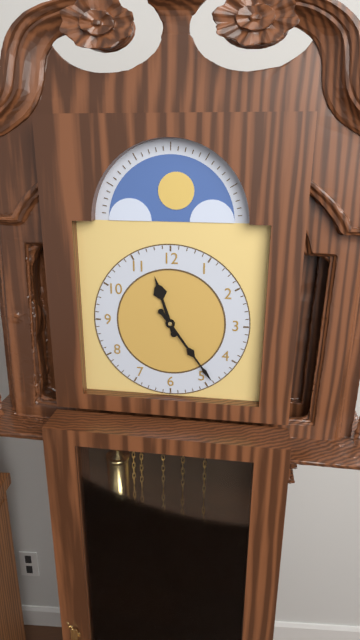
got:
11:24
